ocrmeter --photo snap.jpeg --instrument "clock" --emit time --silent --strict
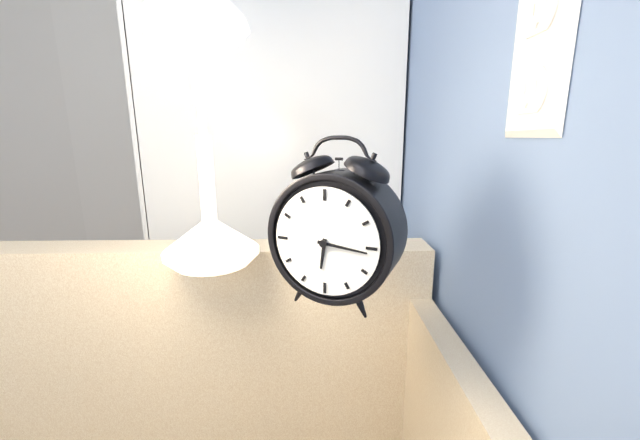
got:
6:16
